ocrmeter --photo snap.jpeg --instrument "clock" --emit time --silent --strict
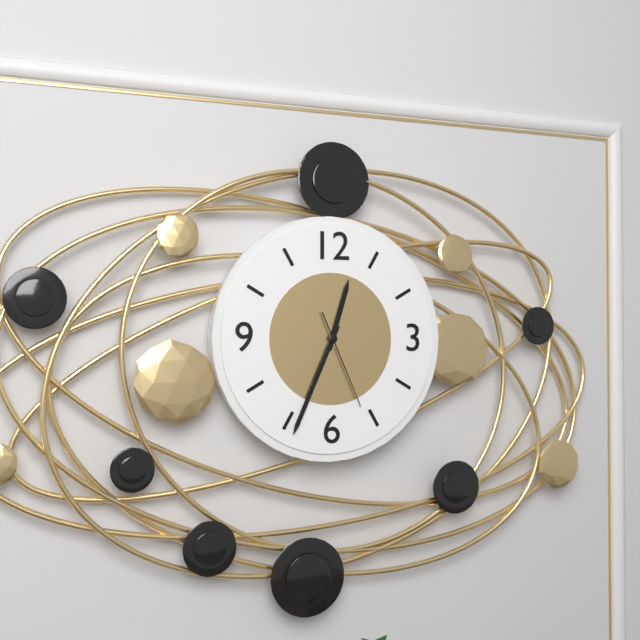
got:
12:34:26
